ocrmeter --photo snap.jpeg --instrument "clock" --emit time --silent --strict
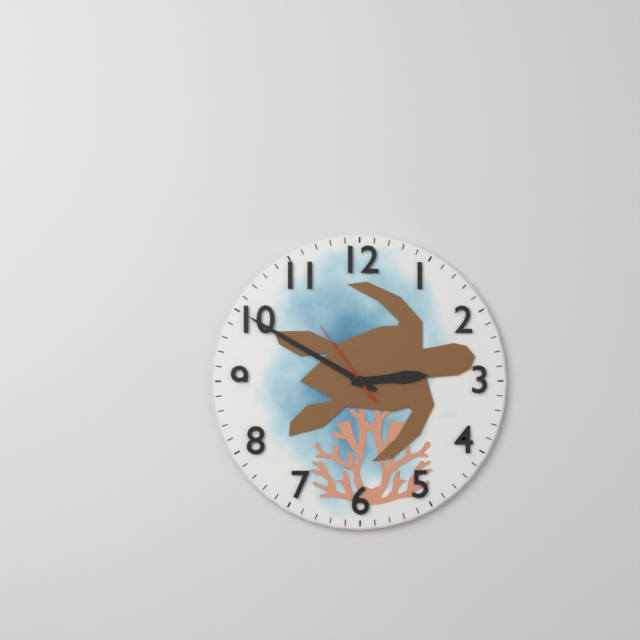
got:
2:50:54
